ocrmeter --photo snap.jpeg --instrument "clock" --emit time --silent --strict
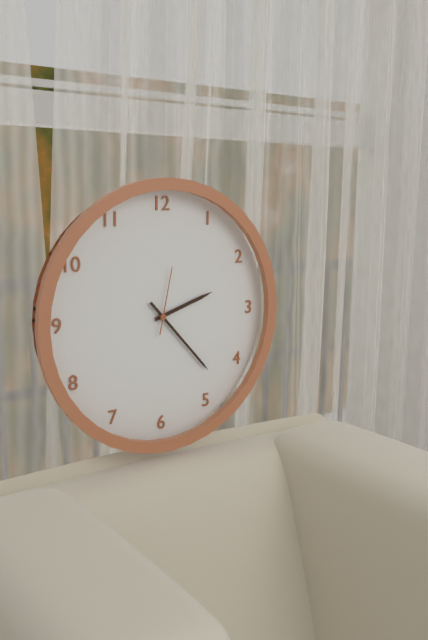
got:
2:23:02
